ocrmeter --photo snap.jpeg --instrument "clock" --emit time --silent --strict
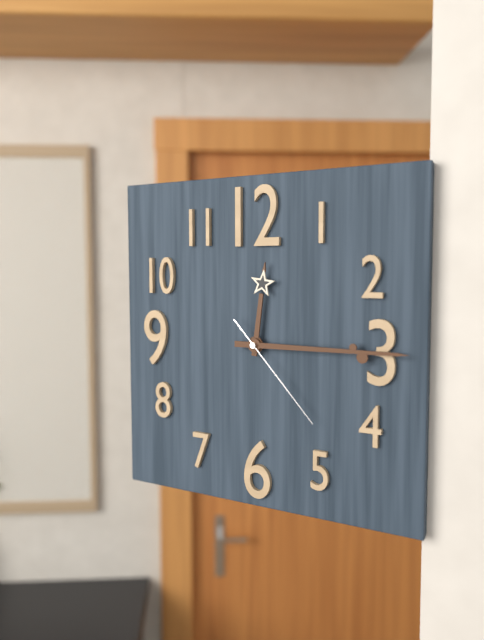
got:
12:15:23
